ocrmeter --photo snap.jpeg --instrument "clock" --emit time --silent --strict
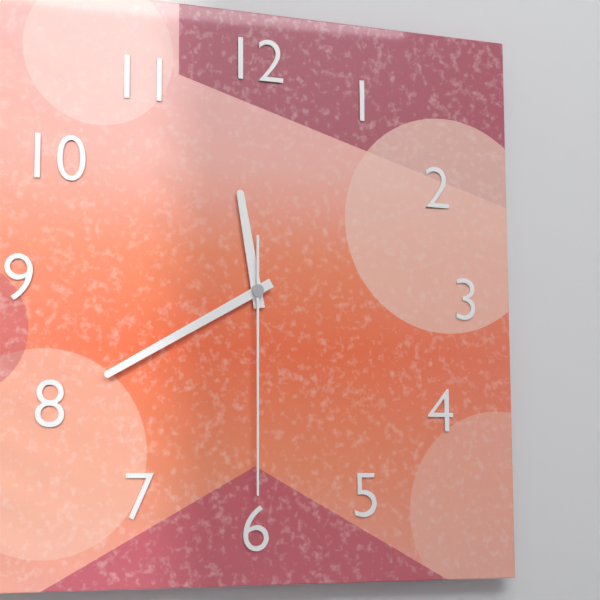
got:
11:40:30
